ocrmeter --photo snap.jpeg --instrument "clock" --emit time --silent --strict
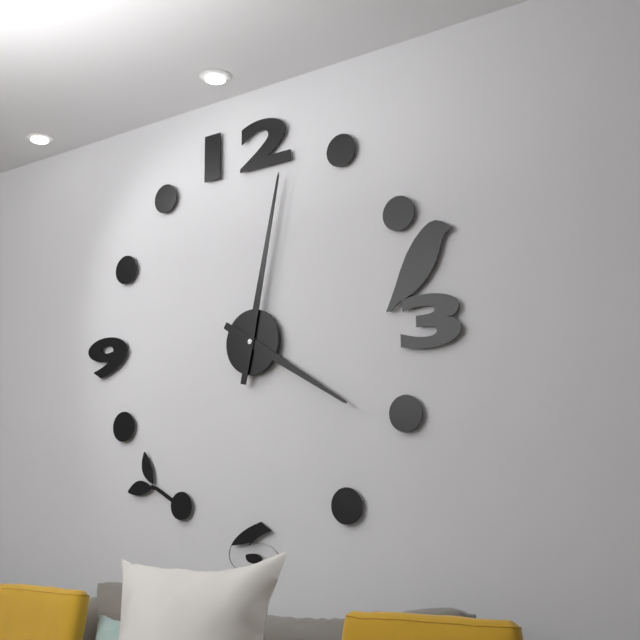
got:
4:02
